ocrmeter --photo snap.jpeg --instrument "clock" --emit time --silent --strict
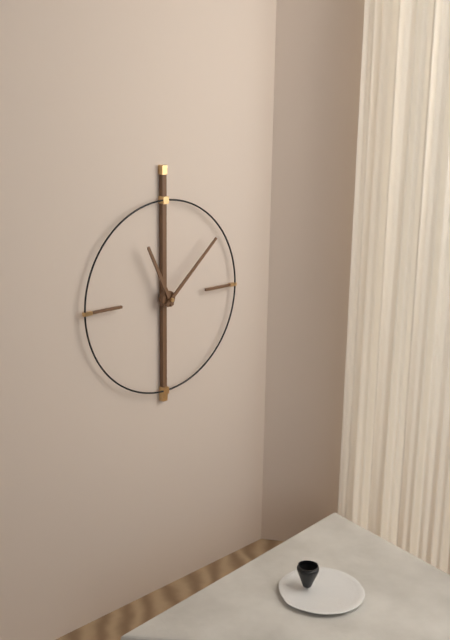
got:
11:08
